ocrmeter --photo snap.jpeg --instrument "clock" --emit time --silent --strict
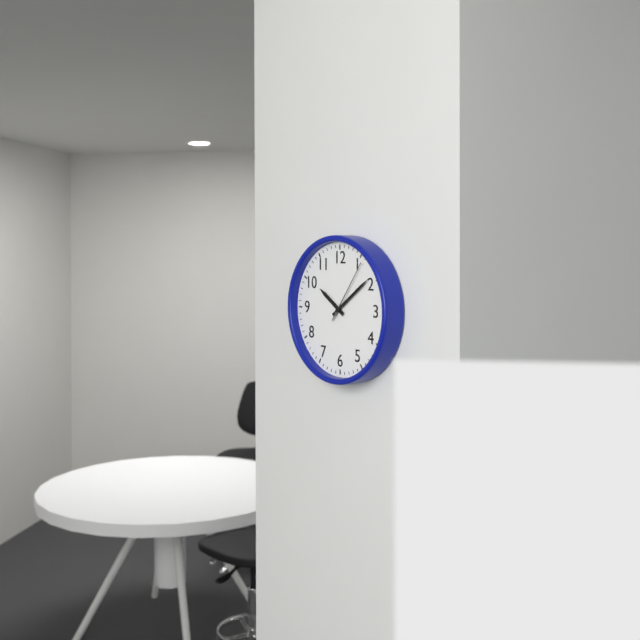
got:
10:09:06
